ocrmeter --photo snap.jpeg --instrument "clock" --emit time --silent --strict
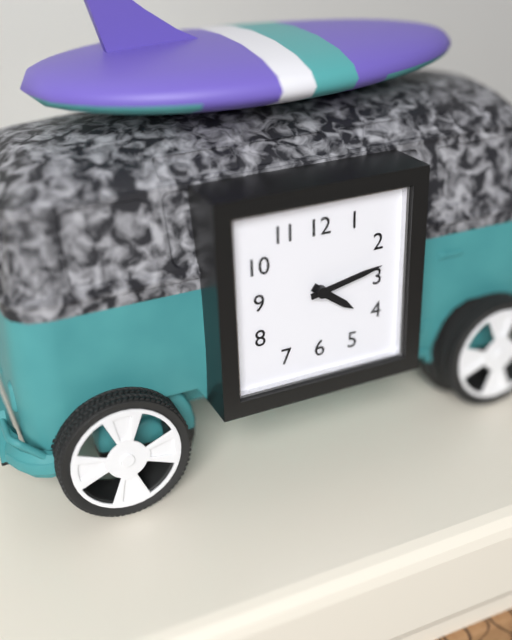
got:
4:13
